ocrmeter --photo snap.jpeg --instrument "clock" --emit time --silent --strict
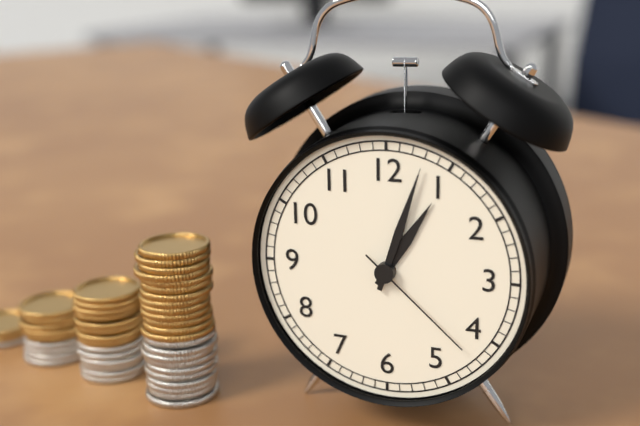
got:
1:03:22
